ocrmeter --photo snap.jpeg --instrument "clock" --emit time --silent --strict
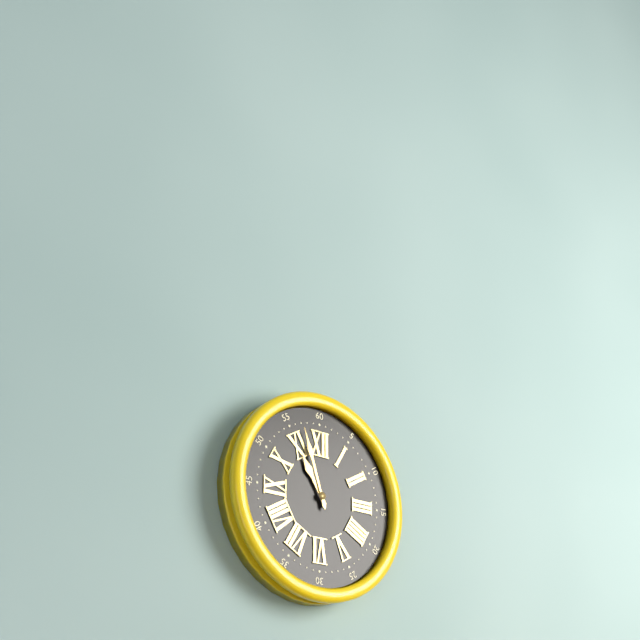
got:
10:57
